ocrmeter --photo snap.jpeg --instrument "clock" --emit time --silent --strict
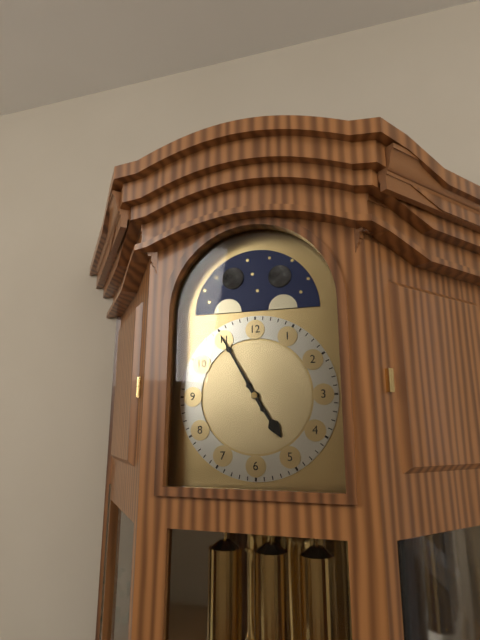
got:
4:55
